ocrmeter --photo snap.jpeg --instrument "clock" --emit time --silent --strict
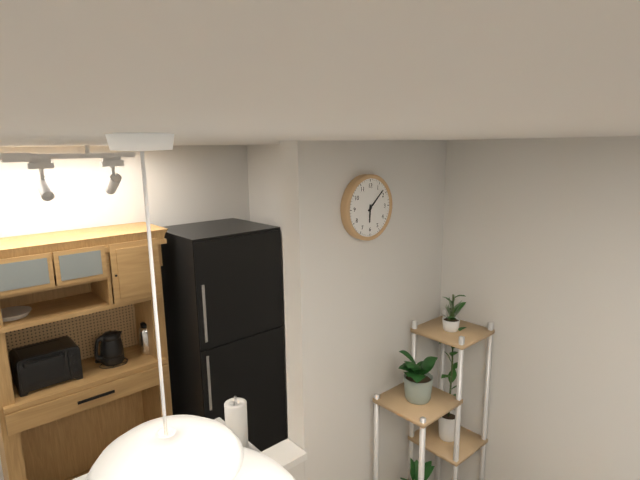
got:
6:08
